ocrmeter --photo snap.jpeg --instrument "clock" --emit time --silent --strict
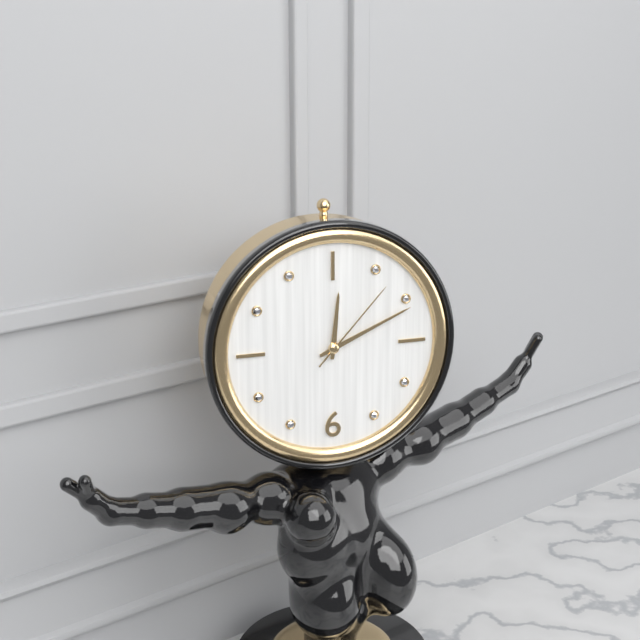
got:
12:11:07
